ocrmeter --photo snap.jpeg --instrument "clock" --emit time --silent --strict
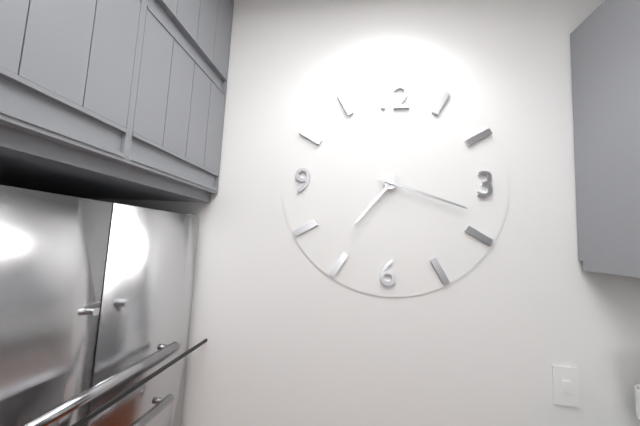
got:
7:18
